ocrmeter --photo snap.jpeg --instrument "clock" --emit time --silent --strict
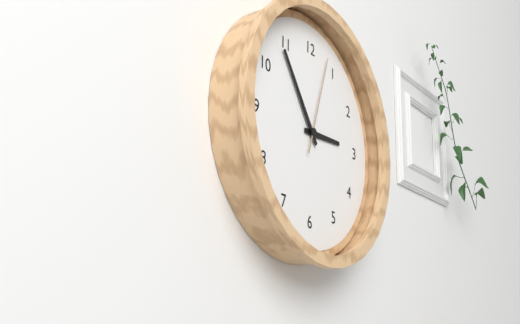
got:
2:54:03
